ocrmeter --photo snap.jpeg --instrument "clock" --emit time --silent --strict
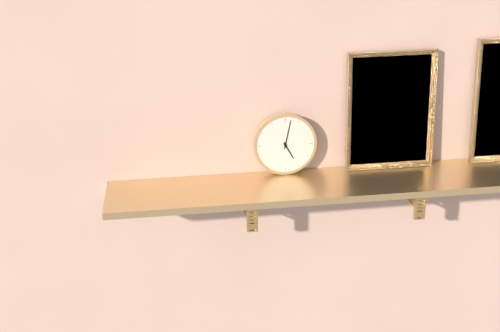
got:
5:02
